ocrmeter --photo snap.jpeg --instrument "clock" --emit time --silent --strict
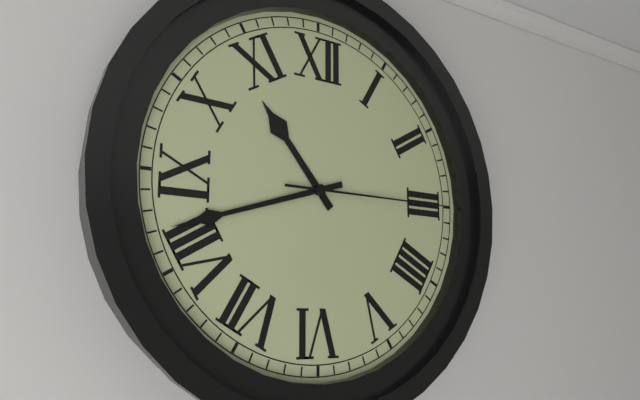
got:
10:42:15
